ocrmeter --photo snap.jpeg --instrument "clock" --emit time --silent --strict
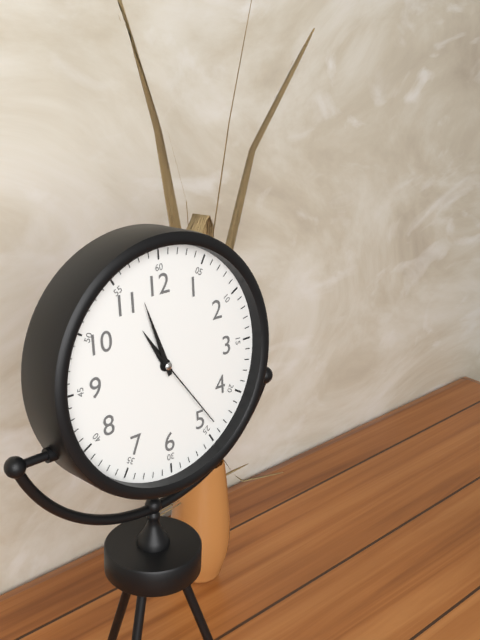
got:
10:57:24
